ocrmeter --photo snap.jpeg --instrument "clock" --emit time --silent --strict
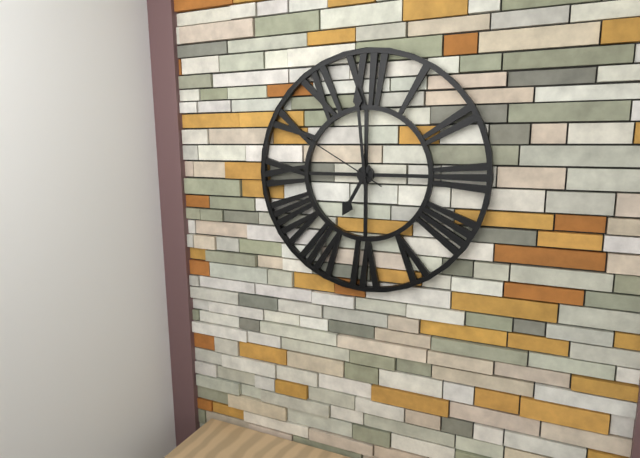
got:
6:59:50
